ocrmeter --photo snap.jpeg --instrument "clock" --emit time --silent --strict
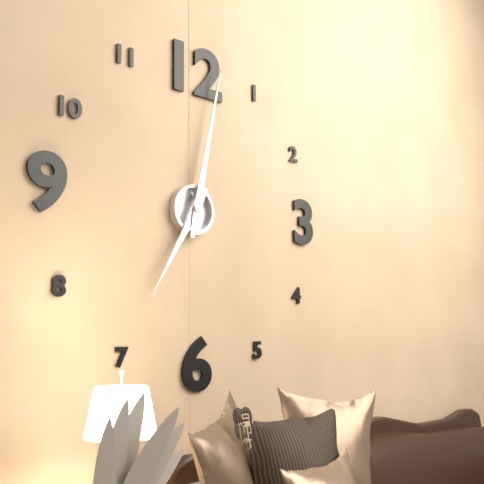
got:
7:02
